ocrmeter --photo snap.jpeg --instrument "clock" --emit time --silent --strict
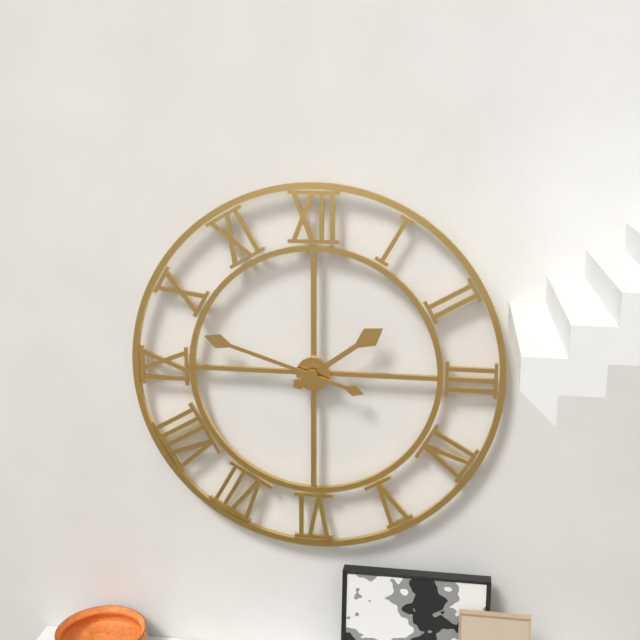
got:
1:48
